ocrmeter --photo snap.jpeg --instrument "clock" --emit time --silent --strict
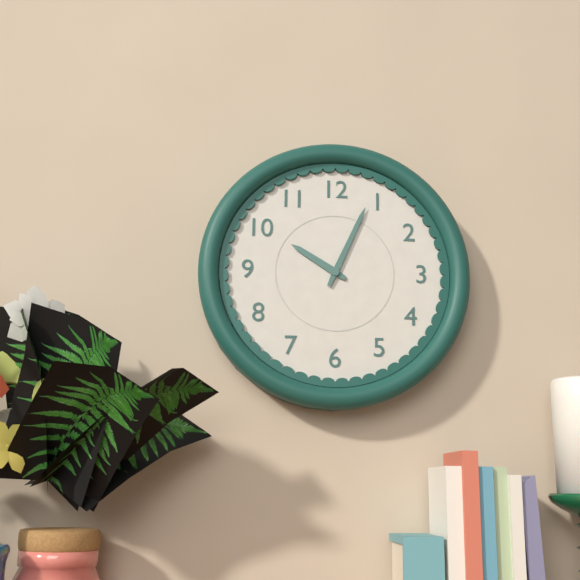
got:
10:04
